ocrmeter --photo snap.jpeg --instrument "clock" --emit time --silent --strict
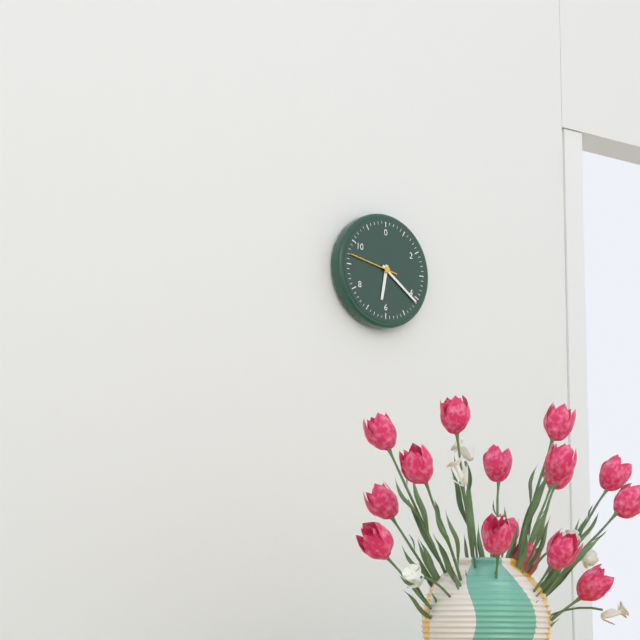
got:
6:21
